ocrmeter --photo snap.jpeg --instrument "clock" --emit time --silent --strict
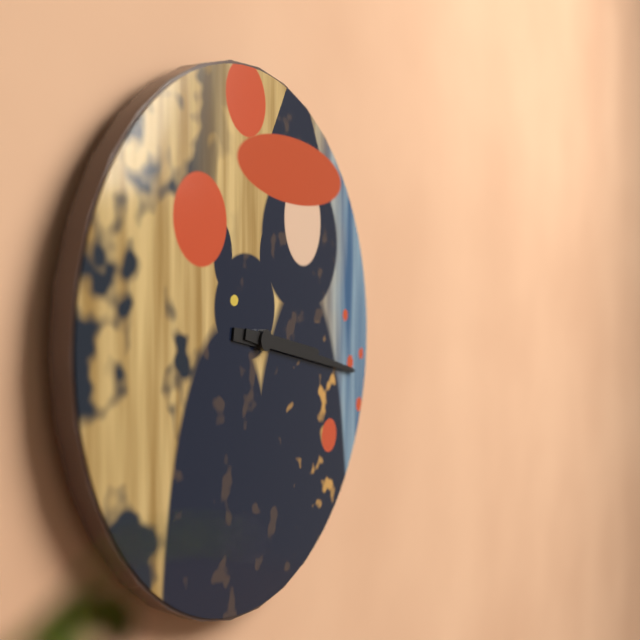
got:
3:17
